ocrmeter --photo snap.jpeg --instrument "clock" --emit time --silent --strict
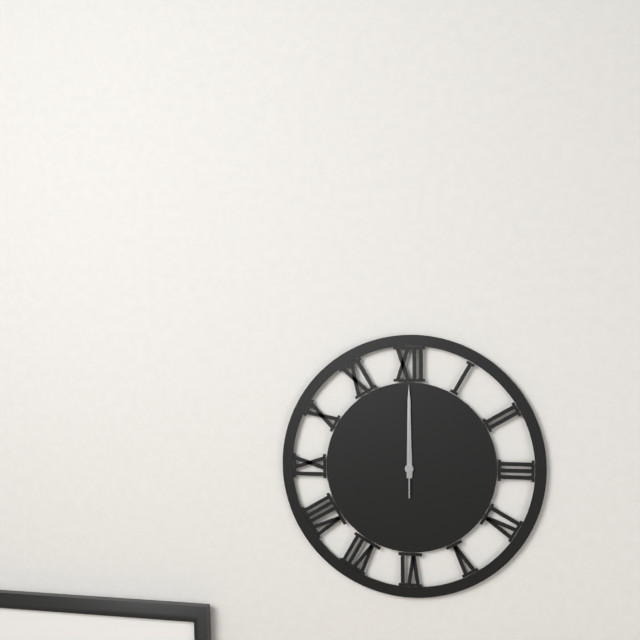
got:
12:00:00
